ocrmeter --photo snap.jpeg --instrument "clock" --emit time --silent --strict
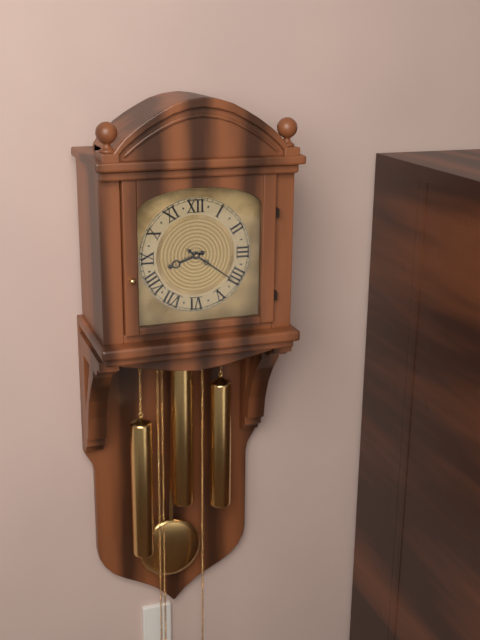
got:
8:21
